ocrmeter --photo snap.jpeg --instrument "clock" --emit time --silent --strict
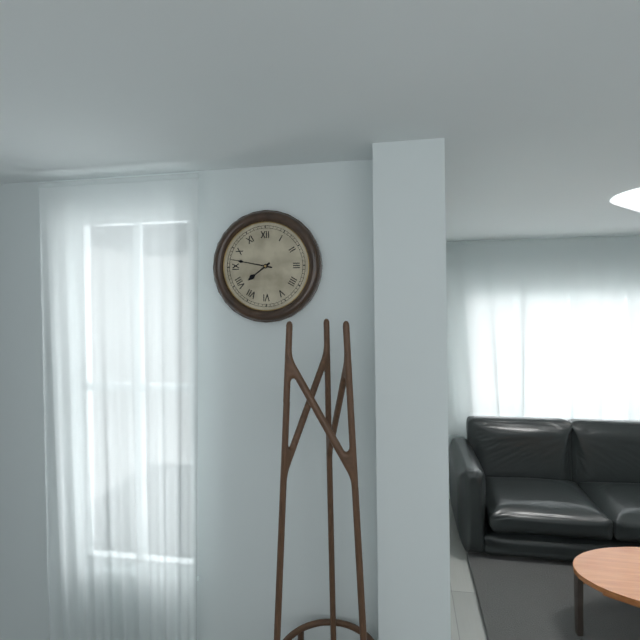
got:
7:47
